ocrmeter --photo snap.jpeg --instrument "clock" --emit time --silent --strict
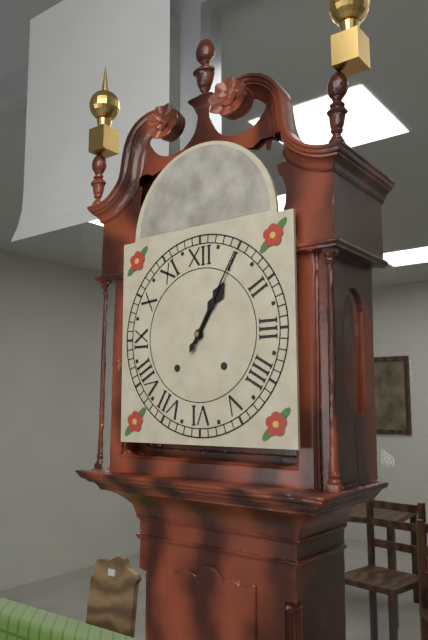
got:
1:05
